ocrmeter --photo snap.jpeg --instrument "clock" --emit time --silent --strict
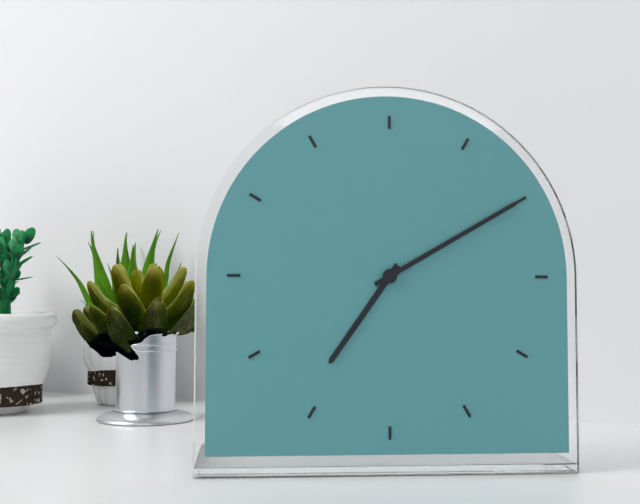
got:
7:10
